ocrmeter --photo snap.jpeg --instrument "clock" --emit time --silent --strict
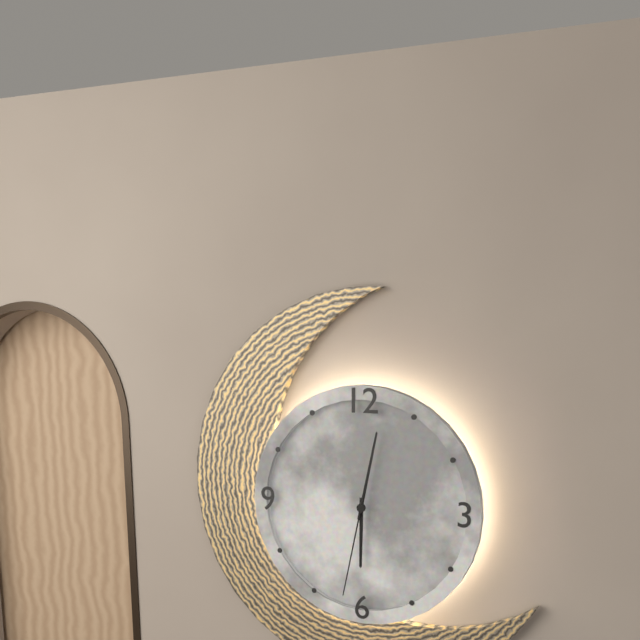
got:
6:02:32
